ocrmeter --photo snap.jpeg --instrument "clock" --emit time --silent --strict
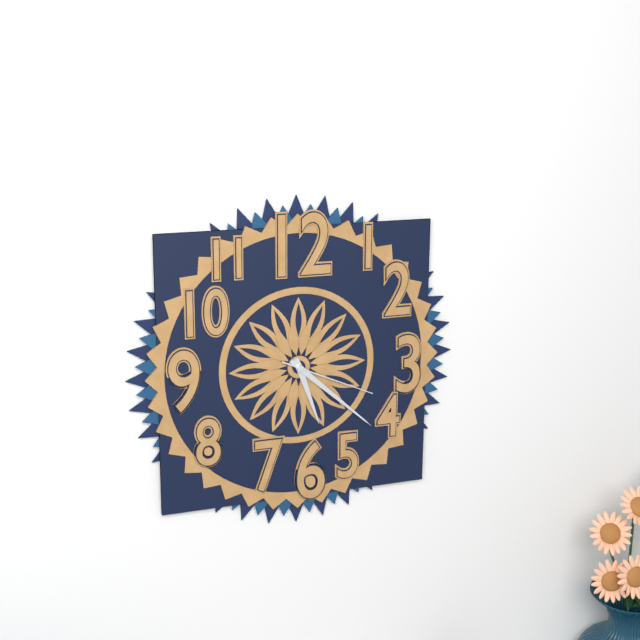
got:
5:22:19
